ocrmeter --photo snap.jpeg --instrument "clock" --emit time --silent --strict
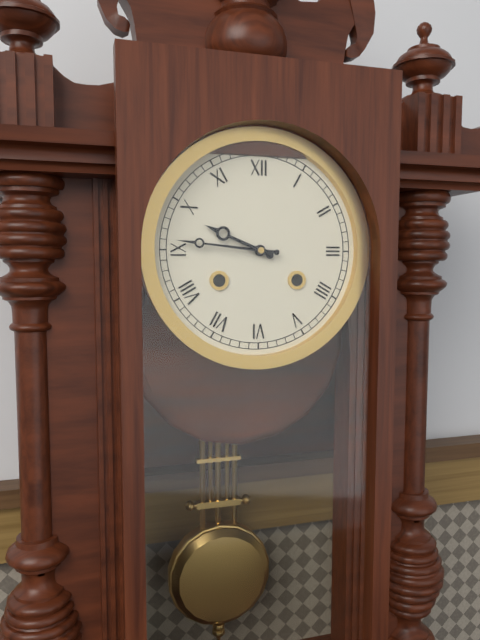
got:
9:46
